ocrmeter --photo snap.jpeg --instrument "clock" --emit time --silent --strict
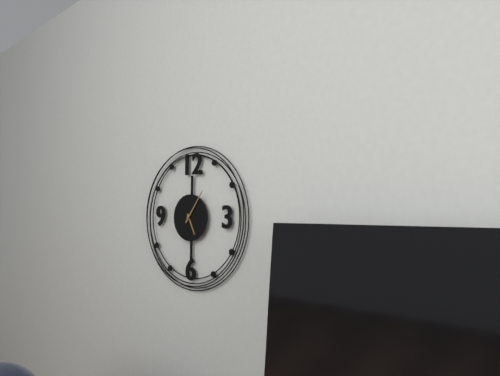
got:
5:06
